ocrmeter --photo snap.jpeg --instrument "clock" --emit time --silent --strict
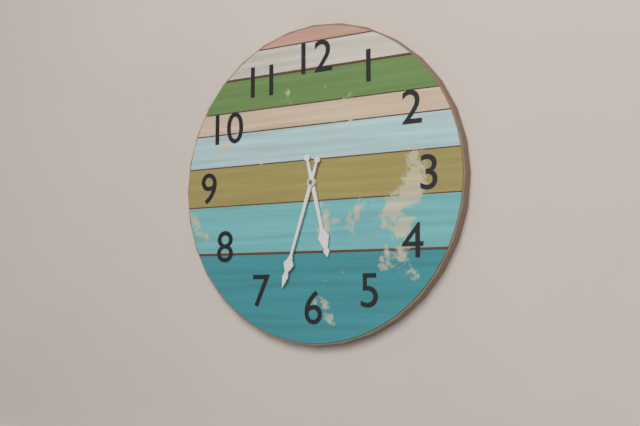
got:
5:33
